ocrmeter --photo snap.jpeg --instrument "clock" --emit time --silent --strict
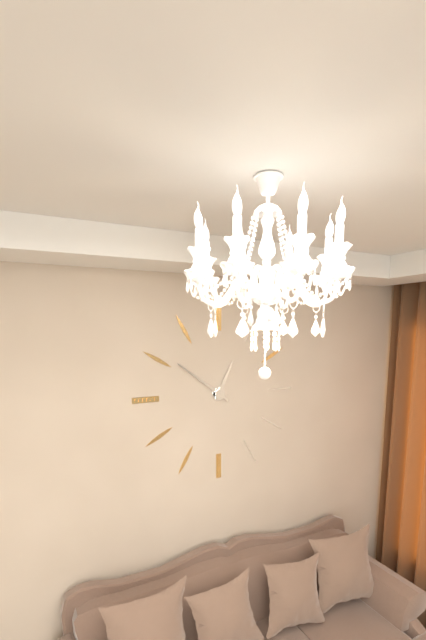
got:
12:51
